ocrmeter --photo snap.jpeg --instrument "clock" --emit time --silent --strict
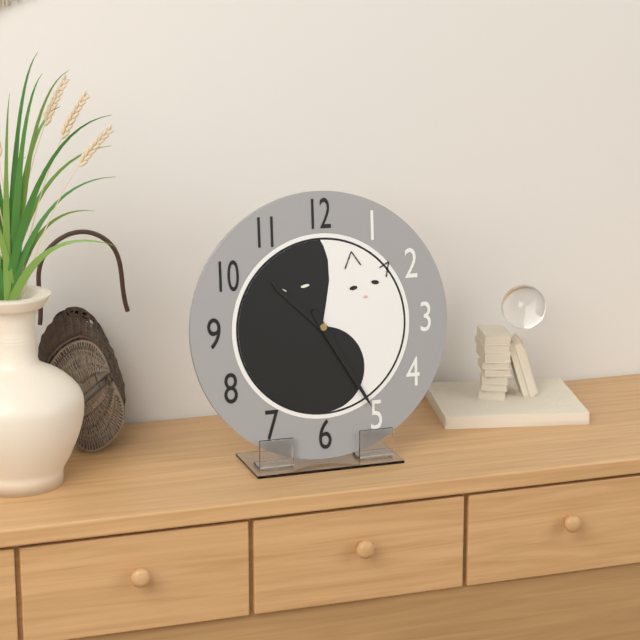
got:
10:25
